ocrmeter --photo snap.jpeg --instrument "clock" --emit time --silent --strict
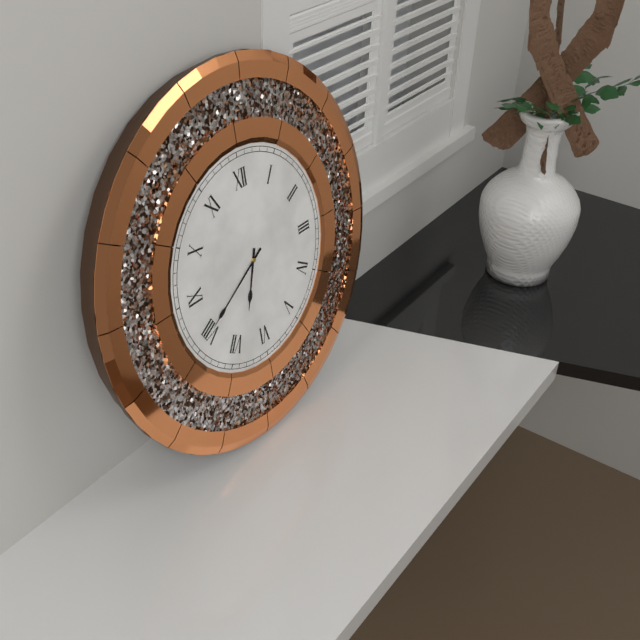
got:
6:40
